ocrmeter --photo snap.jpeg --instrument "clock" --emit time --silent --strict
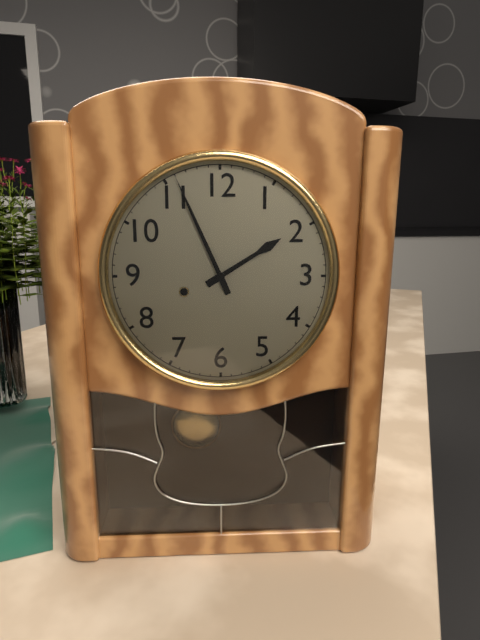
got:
1:56
